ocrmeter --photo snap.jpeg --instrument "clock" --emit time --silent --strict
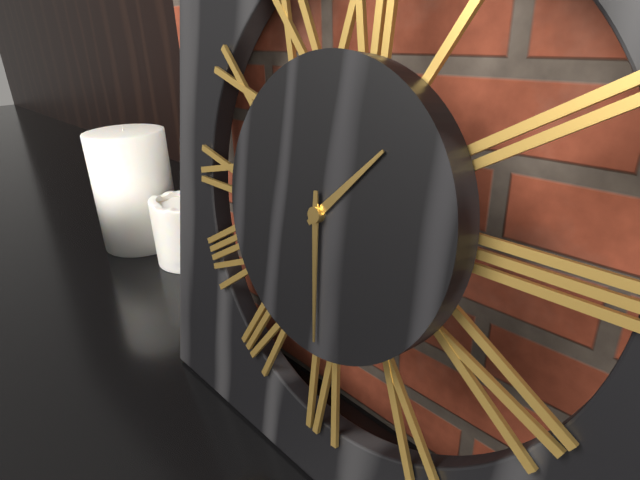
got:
1:29
